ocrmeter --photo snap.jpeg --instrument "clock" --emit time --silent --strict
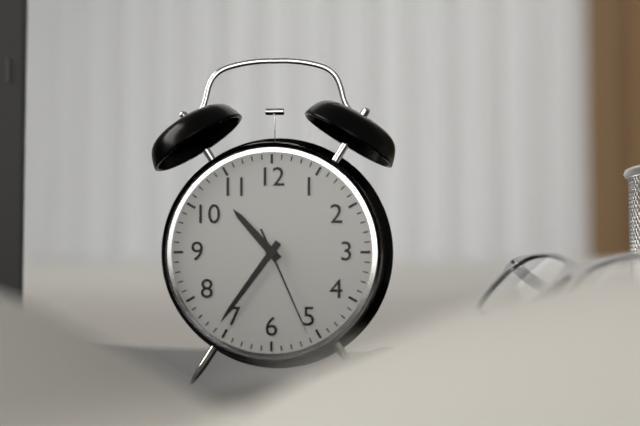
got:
10:36:26
